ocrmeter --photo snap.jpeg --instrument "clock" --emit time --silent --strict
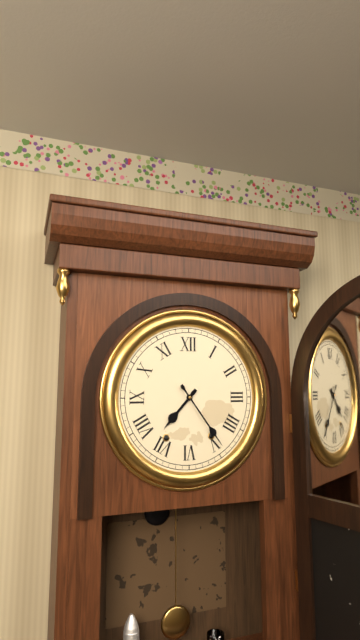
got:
7:24
